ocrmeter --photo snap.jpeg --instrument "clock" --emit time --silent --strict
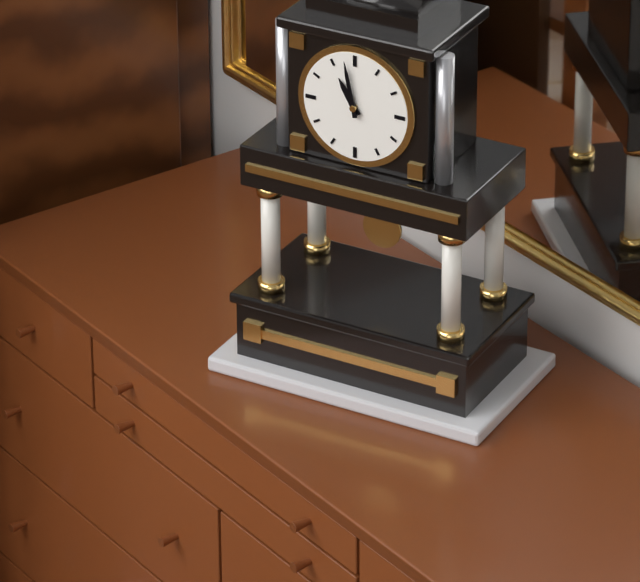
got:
10:58
